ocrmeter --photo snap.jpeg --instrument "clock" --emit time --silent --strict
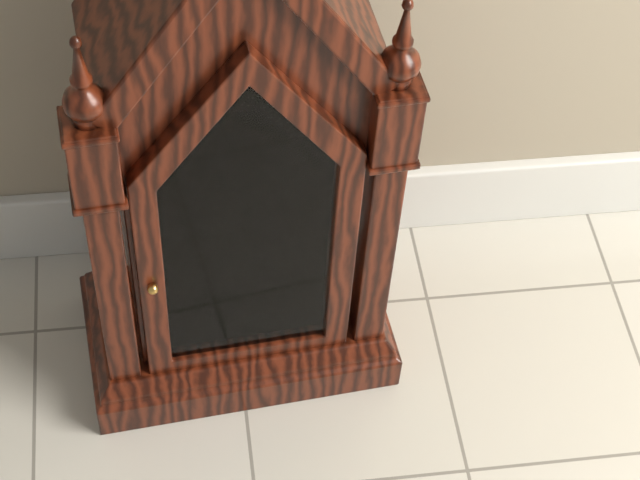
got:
4:42
